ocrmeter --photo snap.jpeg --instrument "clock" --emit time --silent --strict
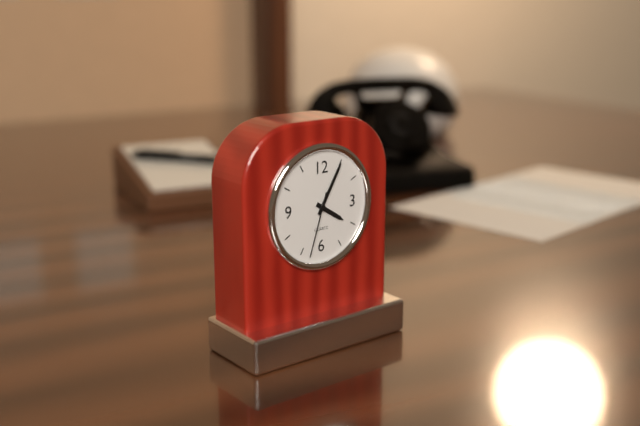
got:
4:05:33
